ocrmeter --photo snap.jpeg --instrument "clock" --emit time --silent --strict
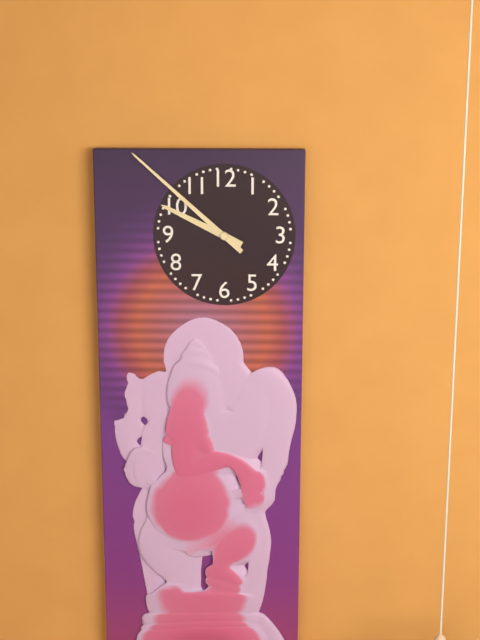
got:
9:52
